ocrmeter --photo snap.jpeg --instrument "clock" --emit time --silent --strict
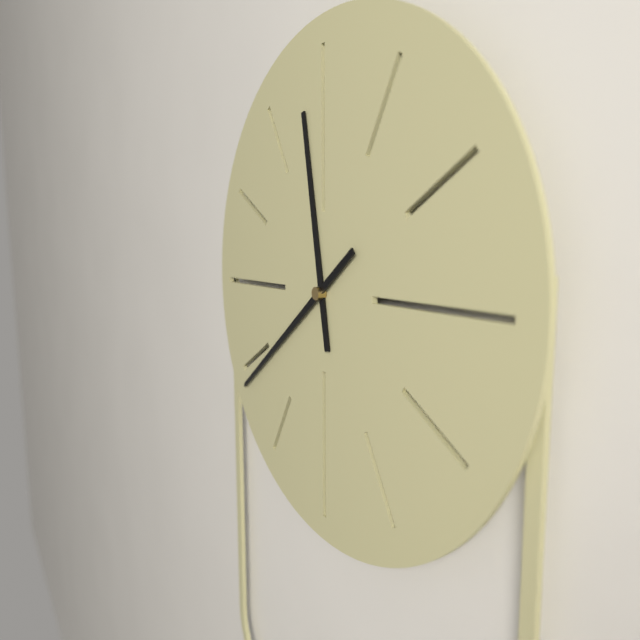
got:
11:39
